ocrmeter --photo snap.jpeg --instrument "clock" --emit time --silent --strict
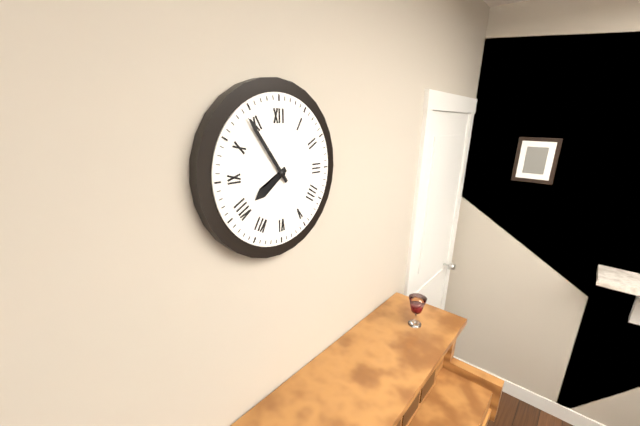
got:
7:54
